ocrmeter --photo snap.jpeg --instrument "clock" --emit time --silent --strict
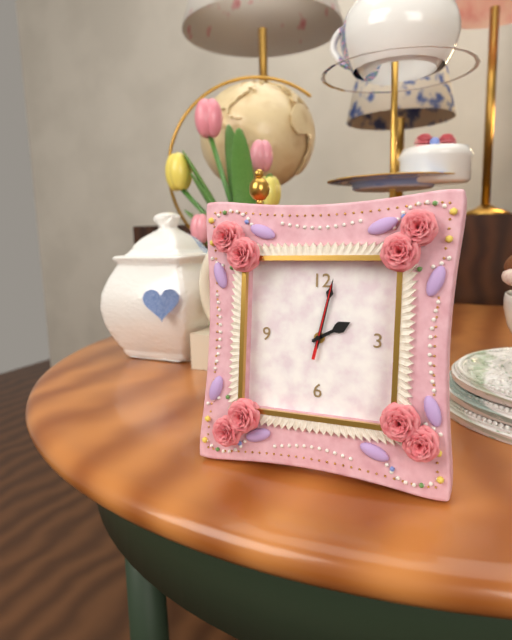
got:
2:02:02
